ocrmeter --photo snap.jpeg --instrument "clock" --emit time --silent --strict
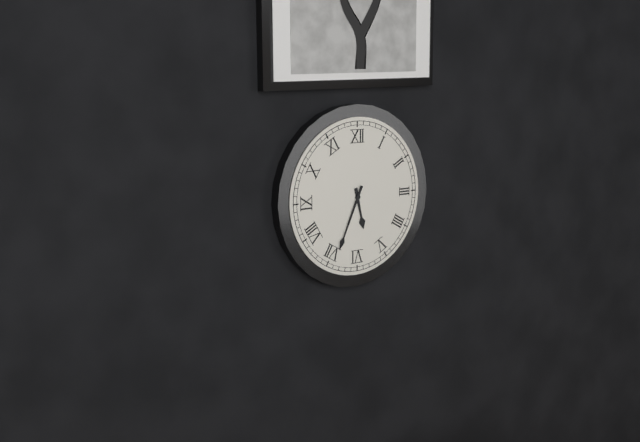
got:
5:34
